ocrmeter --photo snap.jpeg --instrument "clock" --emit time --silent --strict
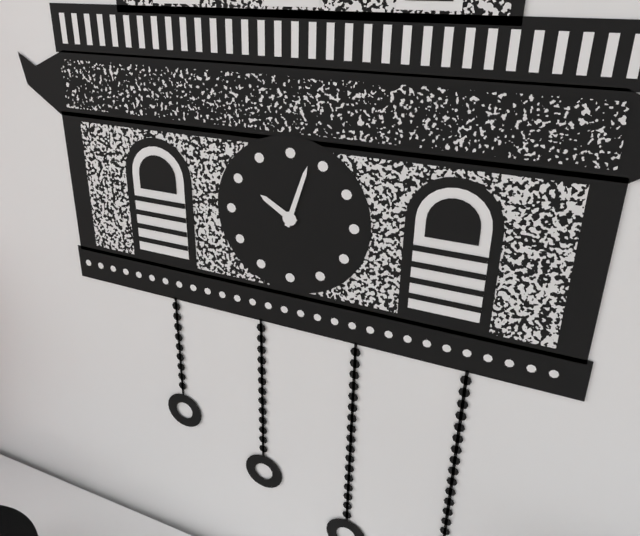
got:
10:03
